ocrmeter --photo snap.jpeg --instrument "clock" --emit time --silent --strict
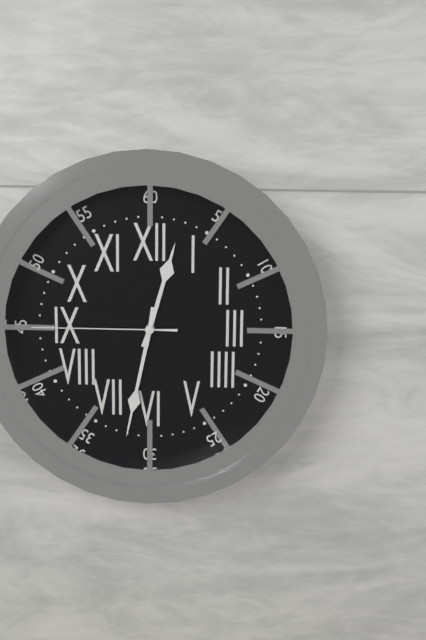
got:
12:32:45
